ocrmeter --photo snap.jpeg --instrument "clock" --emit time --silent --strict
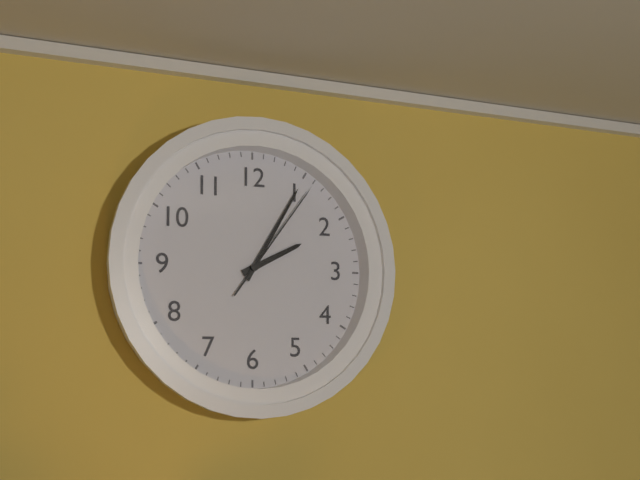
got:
2:05:06
